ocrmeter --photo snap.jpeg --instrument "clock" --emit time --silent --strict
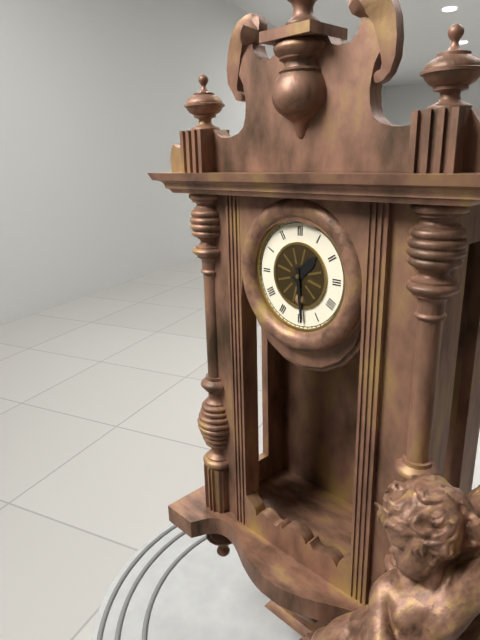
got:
1:29
